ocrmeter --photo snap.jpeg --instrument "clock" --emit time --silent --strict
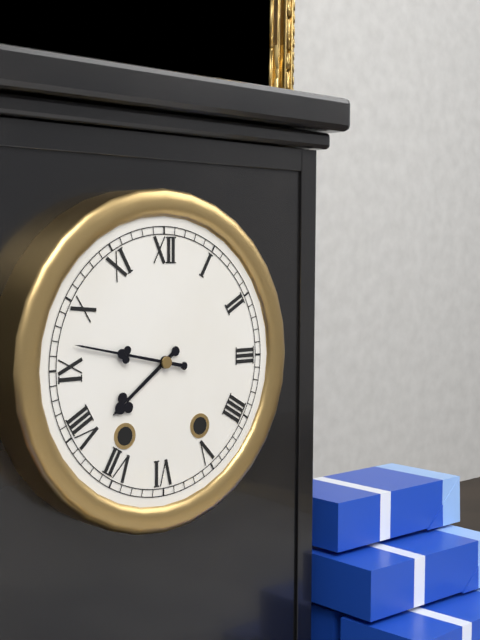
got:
7:47
